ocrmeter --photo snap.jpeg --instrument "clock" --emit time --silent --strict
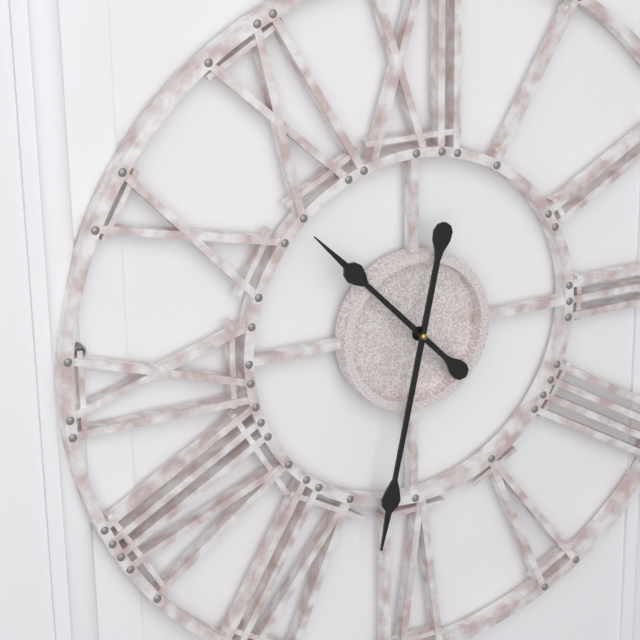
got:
10:32
